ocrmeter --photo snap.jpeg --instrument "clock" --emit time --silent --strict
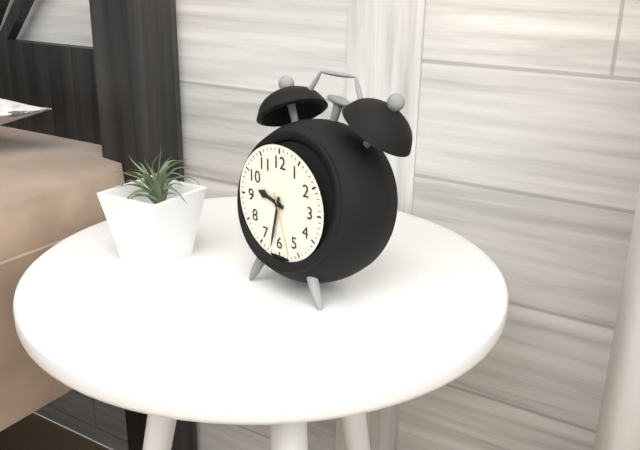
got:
9:32:27
